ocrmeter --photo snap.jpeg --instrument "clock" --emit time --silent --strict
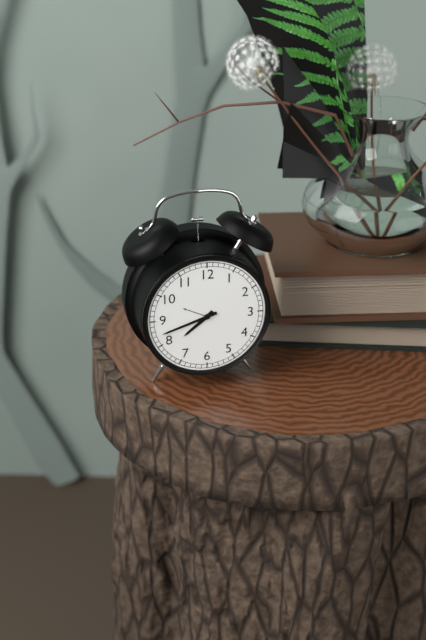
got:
7:42
